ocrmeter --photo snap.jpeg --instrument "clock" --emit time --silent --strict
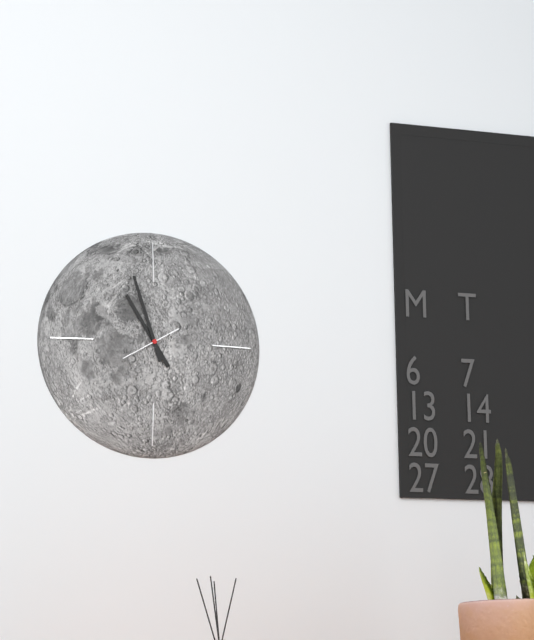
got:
10:57
